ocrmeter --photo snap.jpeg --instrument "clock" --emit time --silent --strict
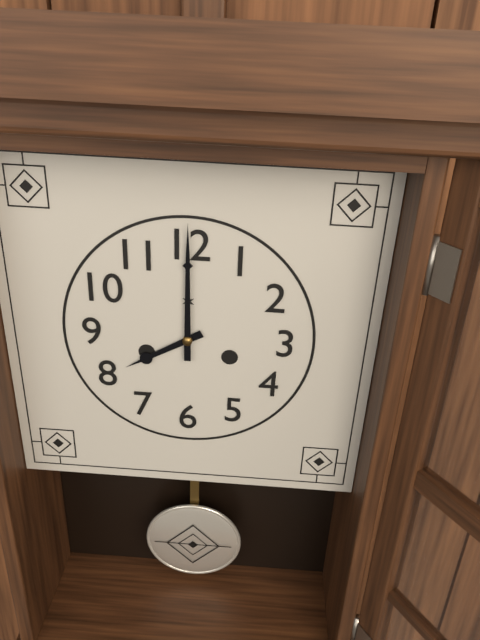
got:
8:00
